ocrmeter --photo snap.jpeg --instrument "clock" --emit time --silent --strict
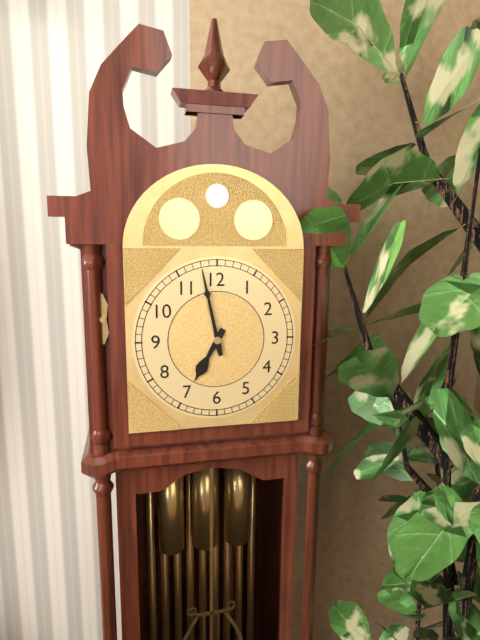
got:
6:58
